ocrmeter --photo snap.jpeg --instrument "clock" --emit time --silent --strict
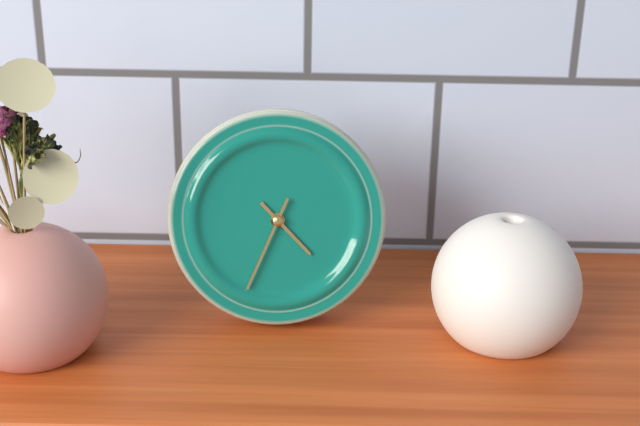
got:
4:34
